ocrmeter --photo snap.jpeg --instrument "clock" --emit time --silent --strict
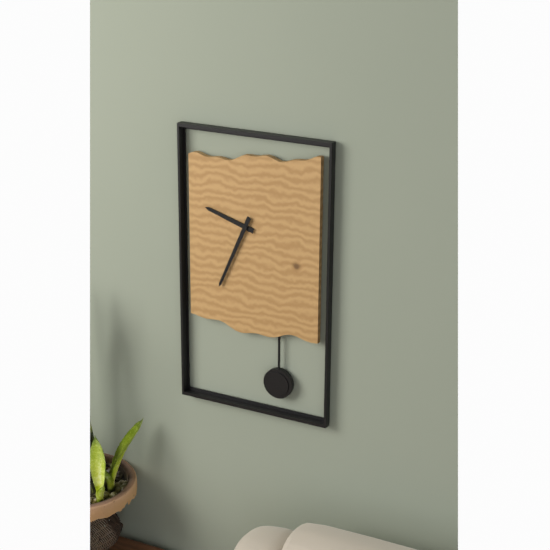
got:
9:34
